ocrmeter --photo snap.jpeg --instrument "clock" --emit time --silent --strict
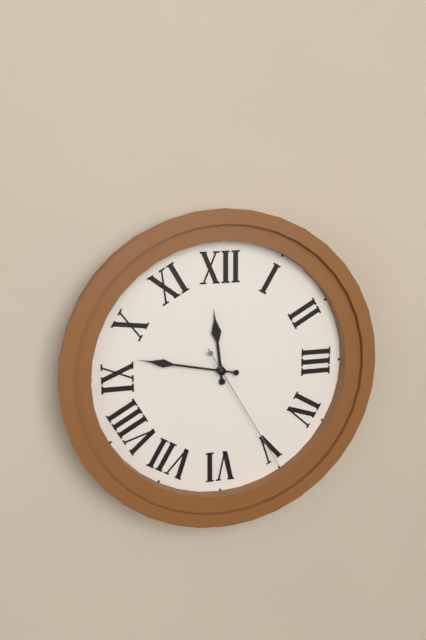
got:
11:47:25
